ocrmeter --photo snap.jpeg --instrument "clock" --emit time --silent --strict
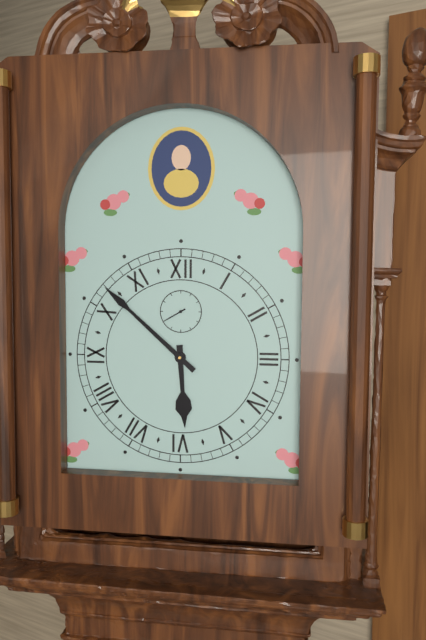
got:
5:52
